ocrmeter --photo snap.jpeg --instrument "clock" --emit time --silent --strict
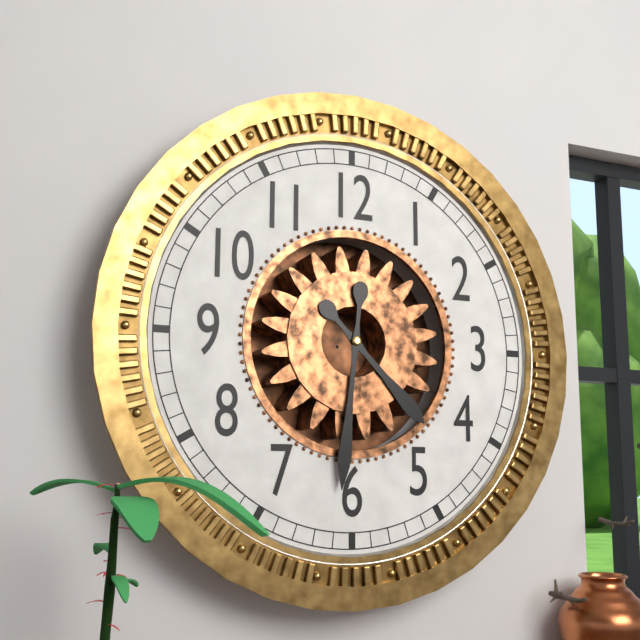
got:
4:31
